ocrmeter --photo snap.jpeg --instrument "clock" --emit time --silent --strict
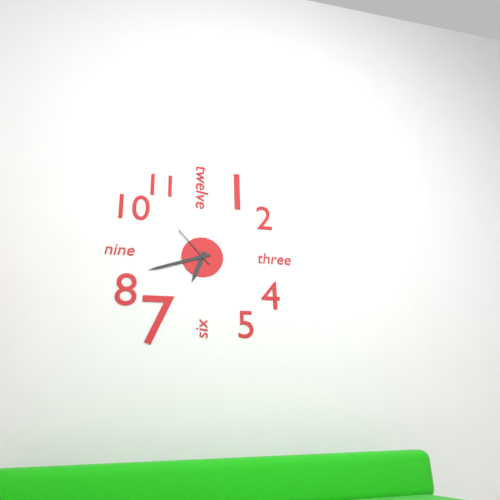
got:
6:42
